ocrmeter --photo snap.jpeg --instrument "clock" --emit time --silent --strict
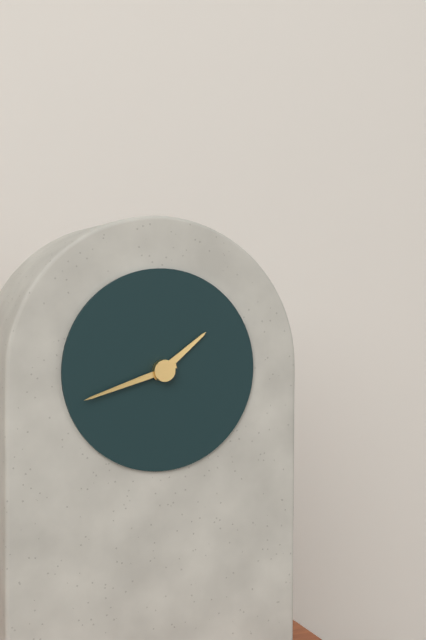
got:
1:42
